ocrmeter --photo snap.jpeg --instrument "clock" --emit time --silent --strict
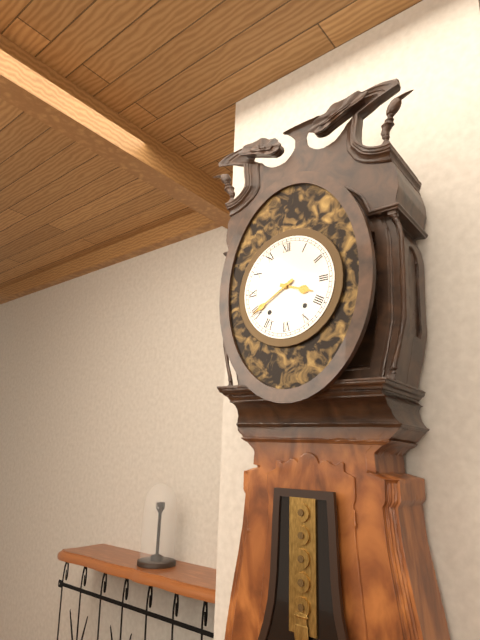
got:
3:40
